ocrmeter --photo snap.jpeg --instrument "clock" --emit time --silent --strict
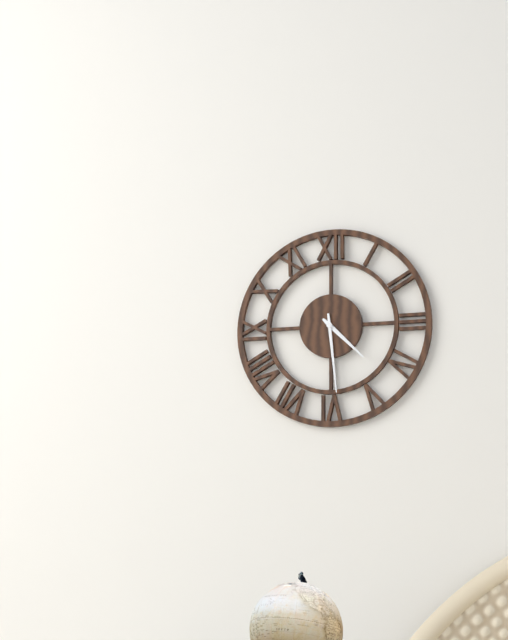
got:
4:29
